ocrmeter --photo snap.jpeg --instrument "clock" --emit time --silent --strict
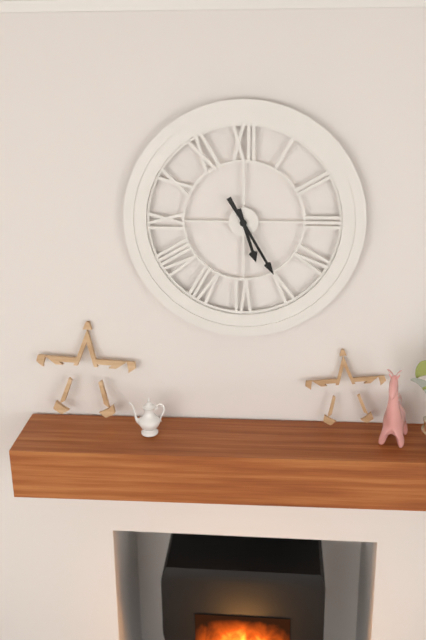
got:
5:25
